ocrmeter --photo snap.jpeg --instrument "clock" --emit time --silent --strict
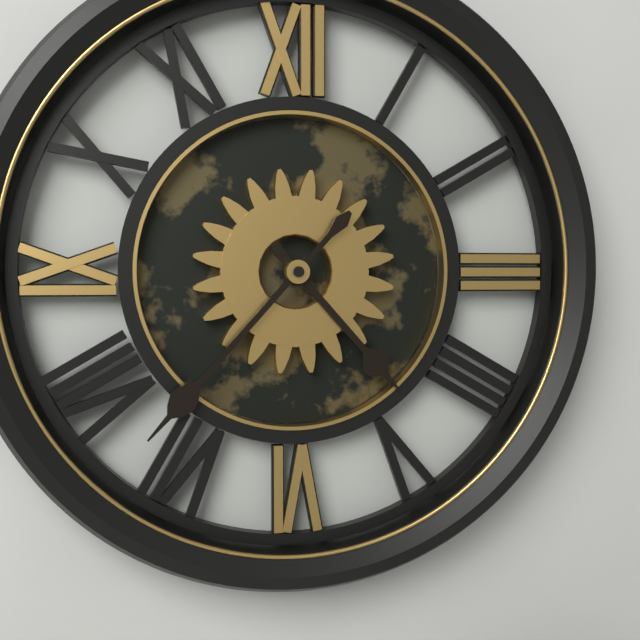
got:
4:37
